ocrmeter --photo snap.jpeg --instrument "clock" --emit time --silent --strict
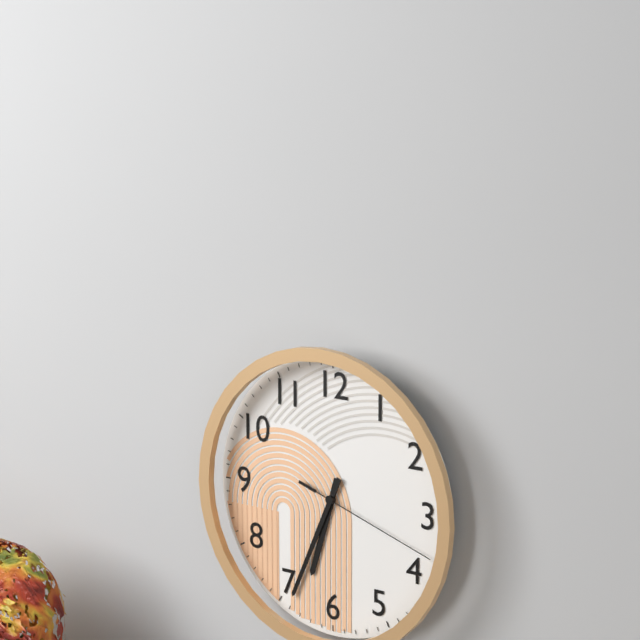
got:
6:34:18
